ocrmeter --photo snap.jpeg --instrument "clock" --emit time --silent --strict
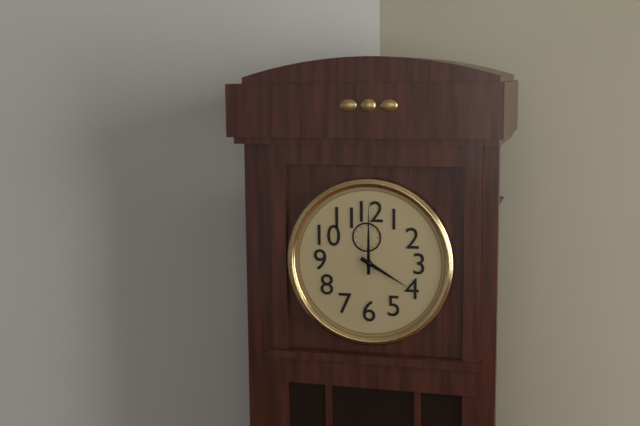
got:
4:00
